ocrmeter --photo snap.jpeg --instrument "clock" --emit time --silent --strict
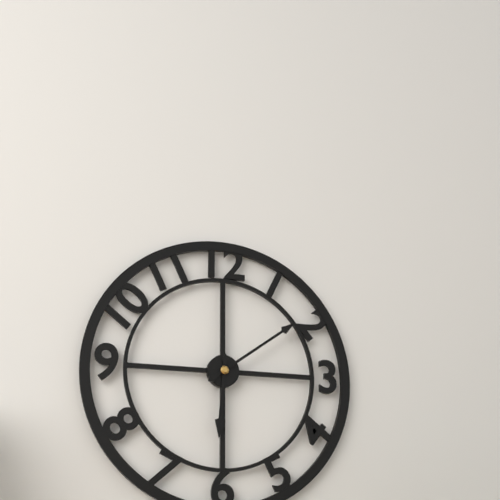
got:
6:09
